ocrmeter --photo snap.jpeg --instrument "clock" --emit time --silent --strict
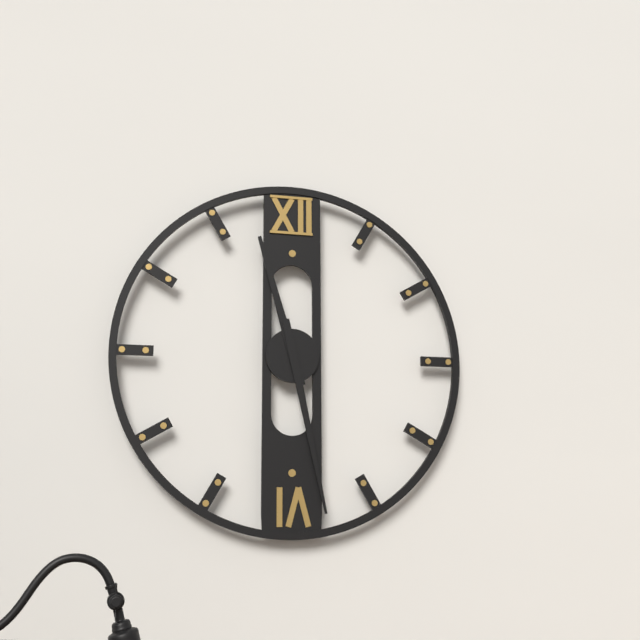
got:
11:28
